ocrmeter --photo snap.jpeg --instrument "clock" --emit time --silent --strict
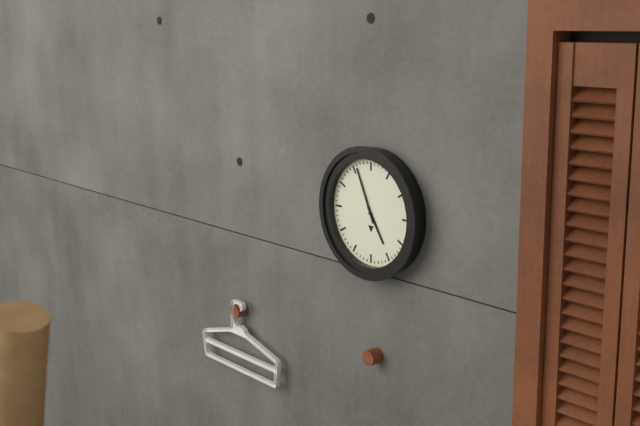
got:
4:56
